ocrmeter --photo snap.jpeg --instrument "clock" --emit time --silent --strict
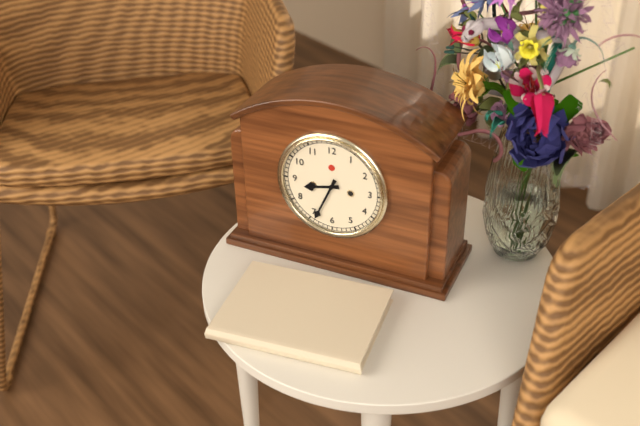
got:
8:34
